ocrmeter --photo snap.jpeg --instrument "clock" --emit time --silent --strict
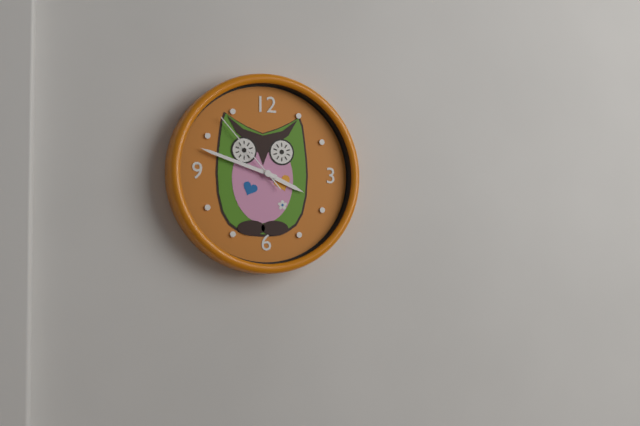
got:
3:48:53
